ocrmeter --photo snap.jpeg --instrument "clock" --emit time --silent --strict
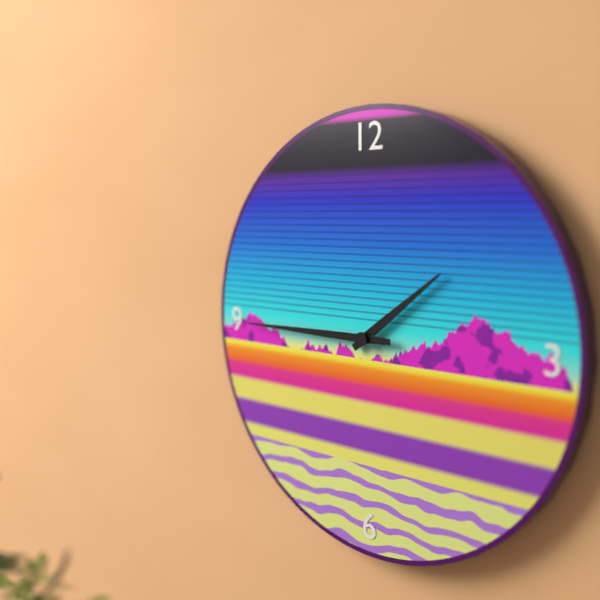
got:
1:45
